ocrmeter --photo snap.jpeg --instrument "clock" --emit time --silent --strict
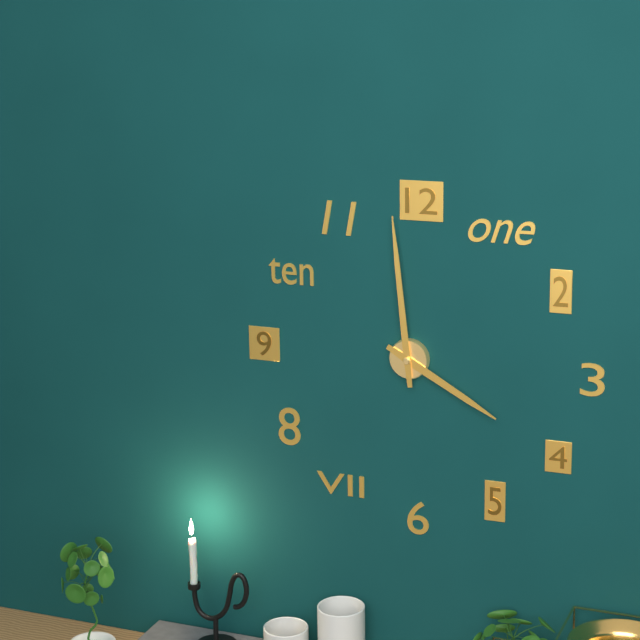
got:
3:59
